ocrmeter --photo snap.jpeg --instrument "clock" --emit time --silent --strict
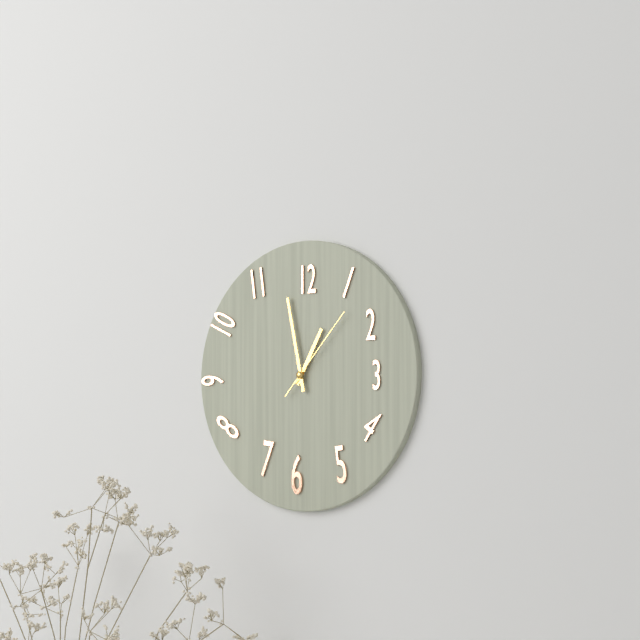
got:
12:58:07
